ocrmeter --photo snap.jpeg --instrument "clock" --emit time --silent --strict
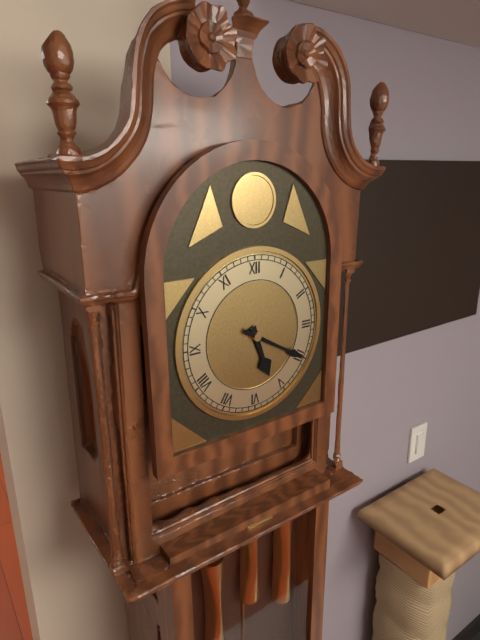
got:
5:20
